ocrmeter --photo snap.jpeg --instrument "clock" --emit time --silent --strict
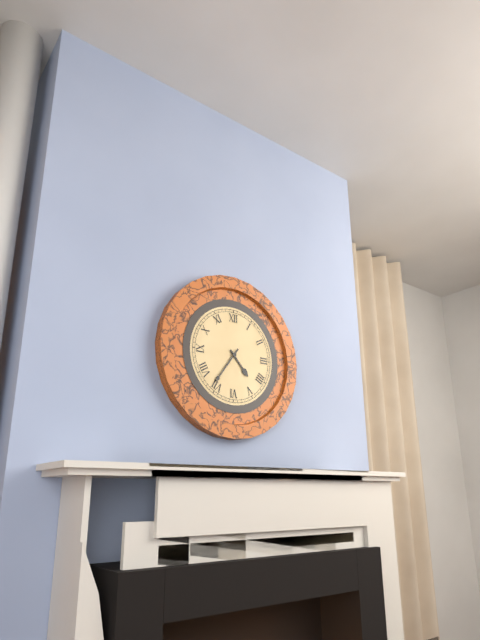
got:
4:36
